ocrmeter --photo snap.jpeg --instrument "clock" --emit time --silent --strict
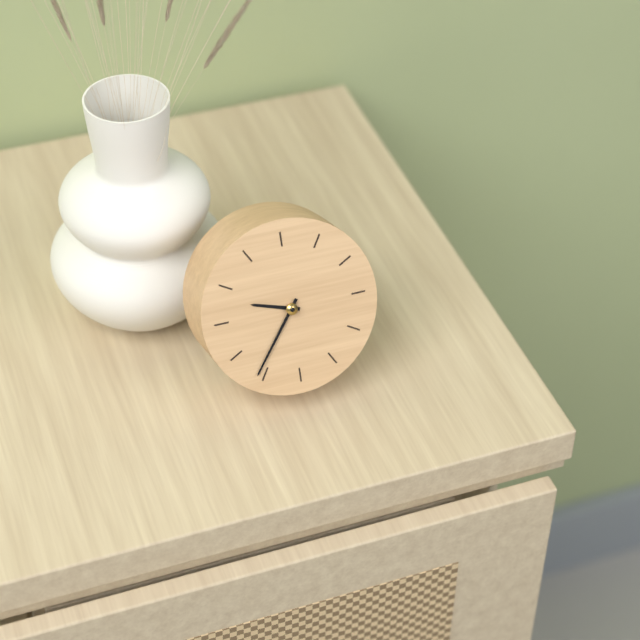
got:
9:36
